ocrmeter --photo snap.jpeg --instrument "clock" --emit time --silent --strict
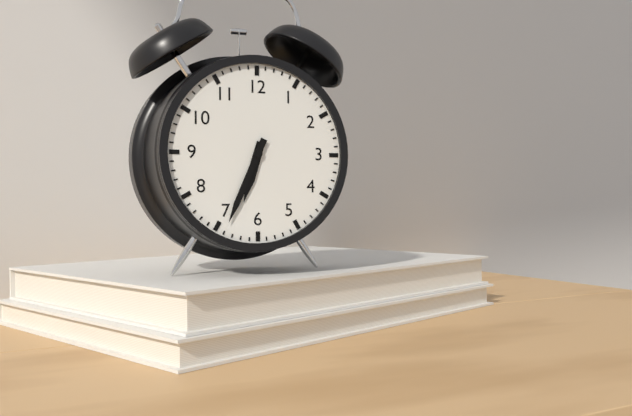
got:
6:34
